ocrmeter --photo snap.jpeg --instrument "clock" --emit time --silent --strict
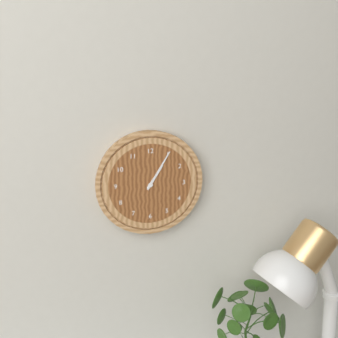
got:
1:05
